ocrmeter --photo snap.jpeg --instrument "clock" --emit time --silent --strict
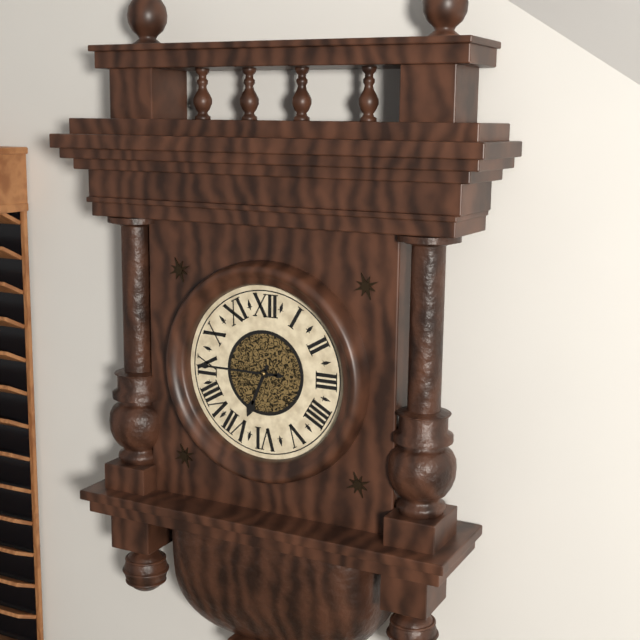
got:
6:45
